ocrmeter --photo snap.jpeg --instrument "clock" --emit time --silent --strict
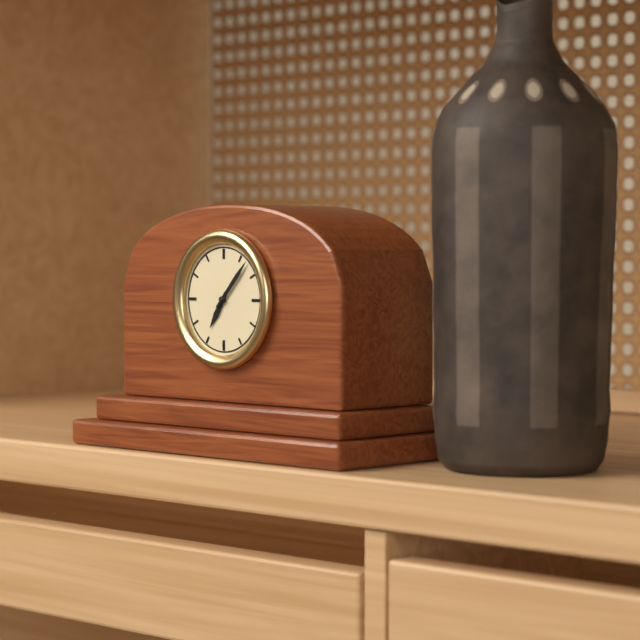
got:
7:07
